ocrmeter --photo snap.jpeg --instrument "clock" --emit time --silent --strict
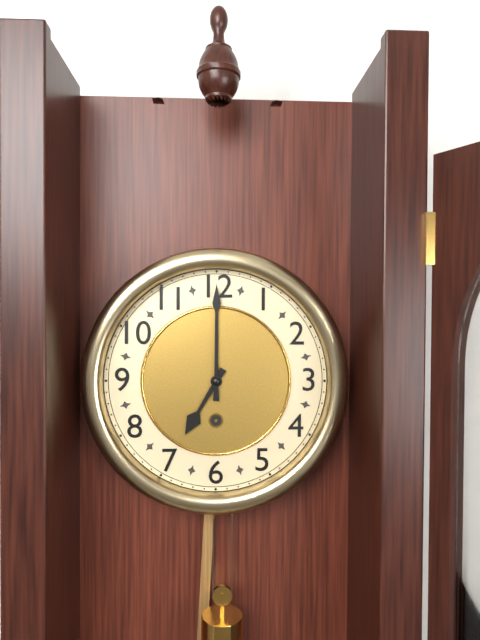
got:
7:00
